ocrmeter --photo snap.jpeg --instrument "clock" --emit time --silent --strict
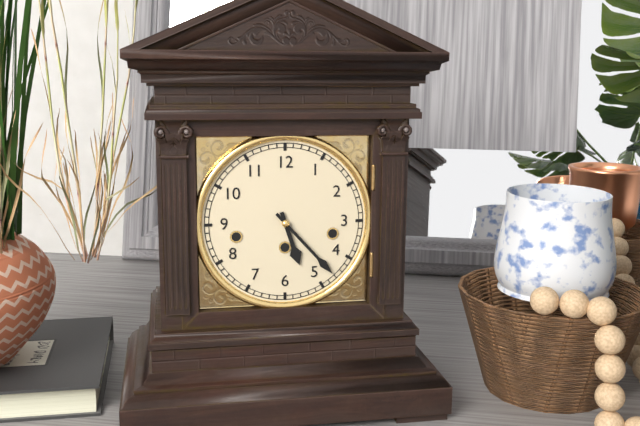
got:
5:23
